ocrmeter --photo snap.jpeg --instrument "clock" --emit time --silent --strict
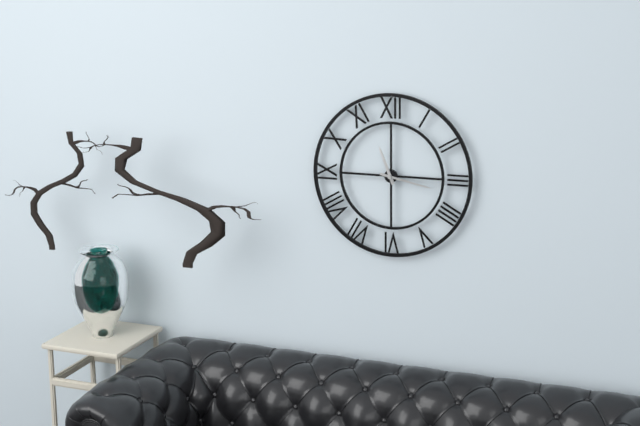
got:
11:17
